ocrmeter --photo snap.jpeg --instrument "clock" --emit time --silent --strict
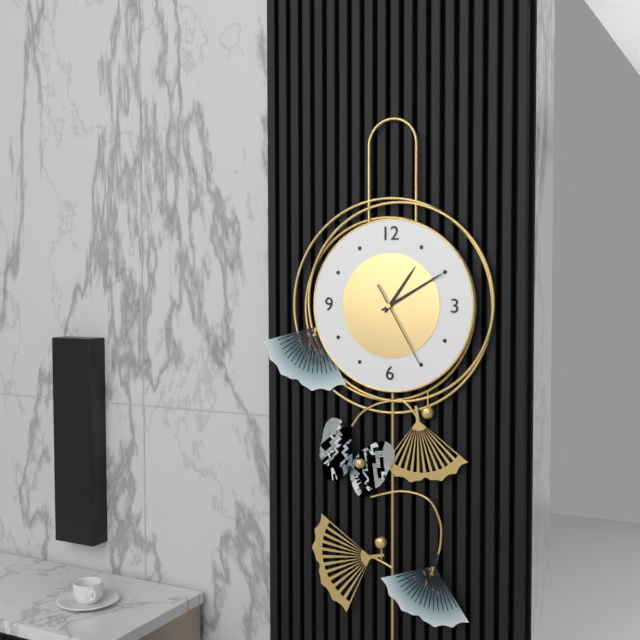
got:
1:10:25
